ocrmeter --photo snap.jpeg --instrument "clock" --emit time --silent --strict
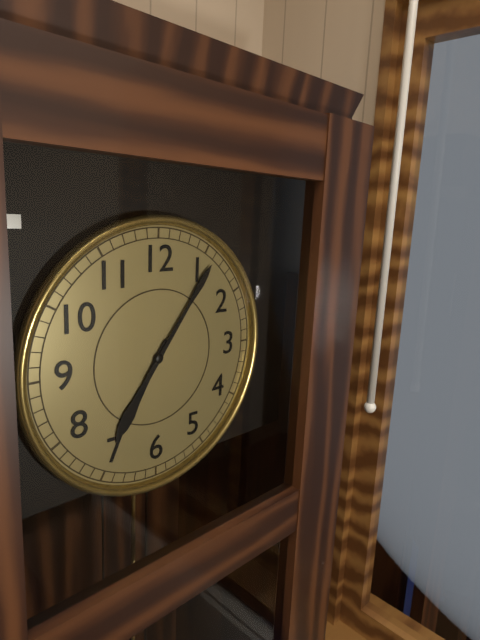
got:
7:06
